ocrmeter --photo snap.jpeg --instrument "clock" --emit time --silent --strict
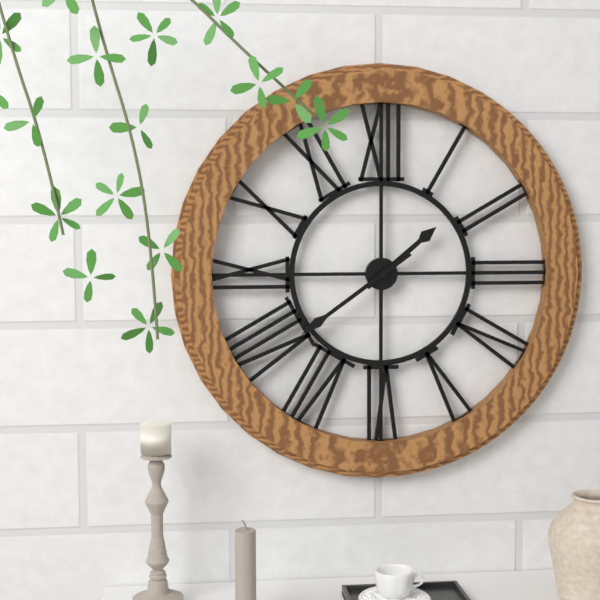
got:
1:39
